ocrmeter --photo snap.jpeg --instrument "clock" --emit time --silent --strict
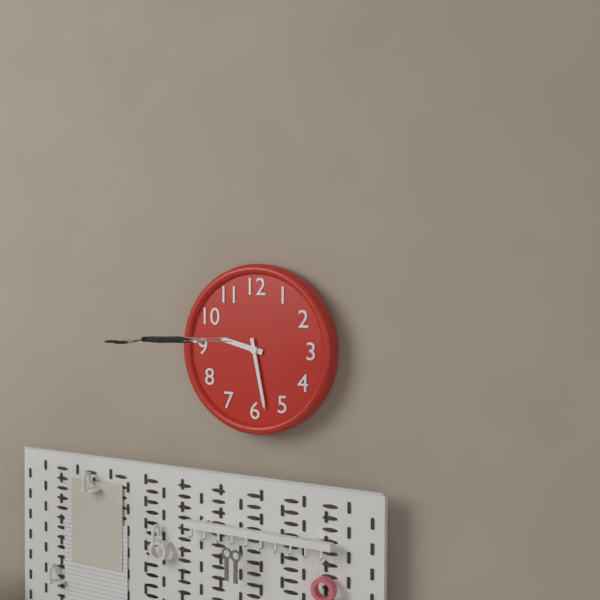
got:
9:28
